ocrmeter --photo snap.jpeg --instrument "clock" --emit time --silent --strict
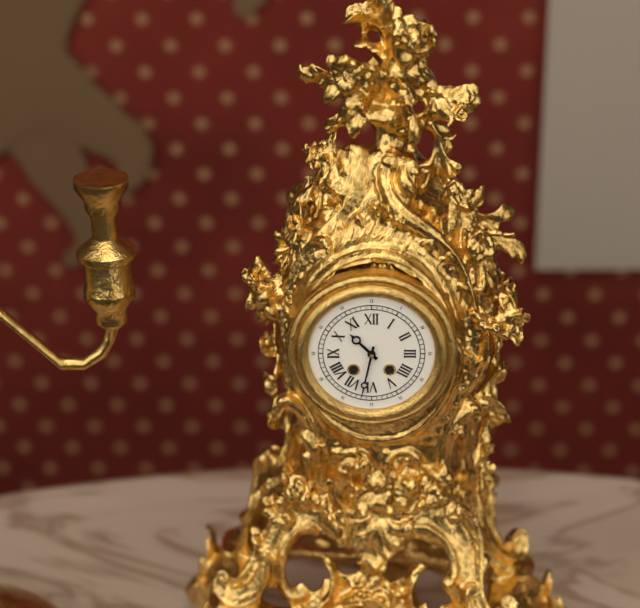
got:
10:32
